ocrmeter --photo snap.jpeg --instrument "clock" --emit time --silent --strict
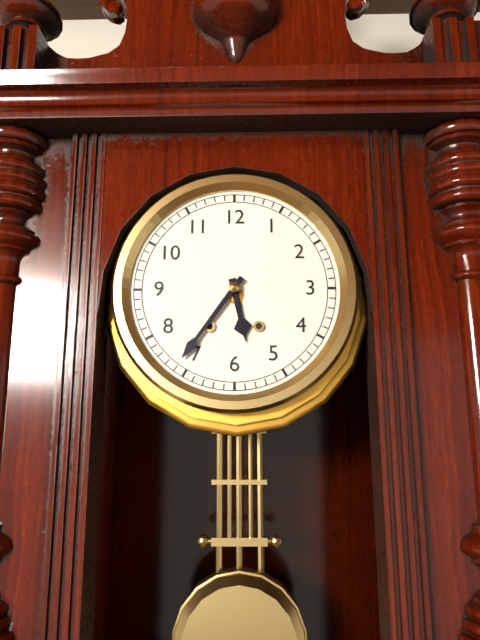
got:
5:36
